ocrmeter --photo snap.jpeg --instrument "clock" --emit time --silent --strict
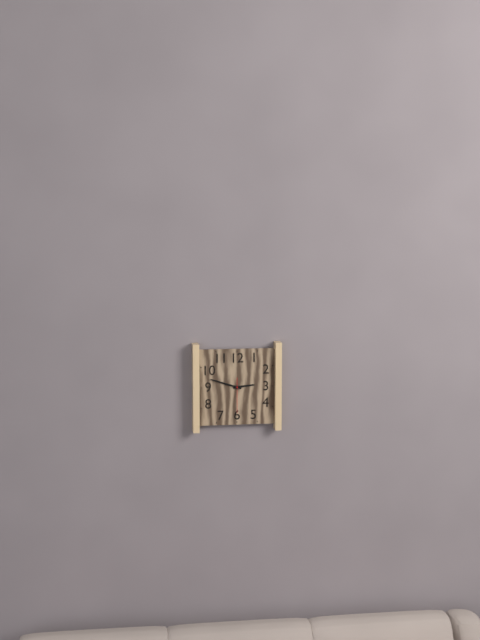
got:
2:48
